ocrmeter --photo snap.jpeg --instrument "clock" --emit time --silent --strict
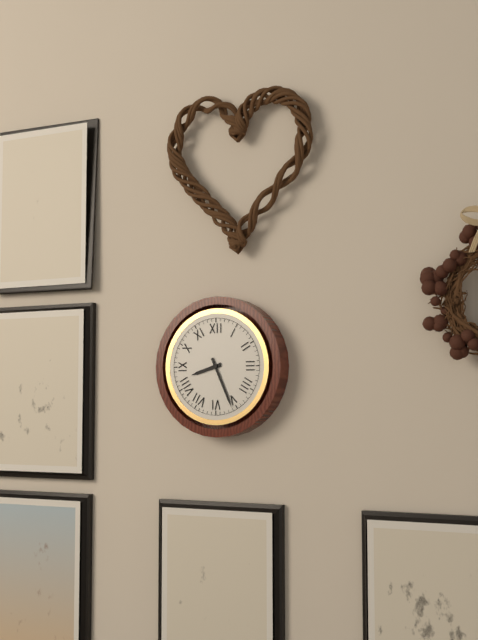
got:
8:26
